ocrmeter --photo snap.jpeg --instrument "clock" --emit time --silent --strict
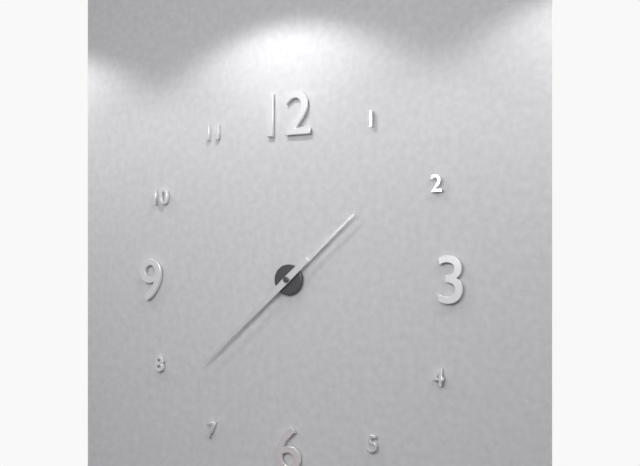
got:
1:38
